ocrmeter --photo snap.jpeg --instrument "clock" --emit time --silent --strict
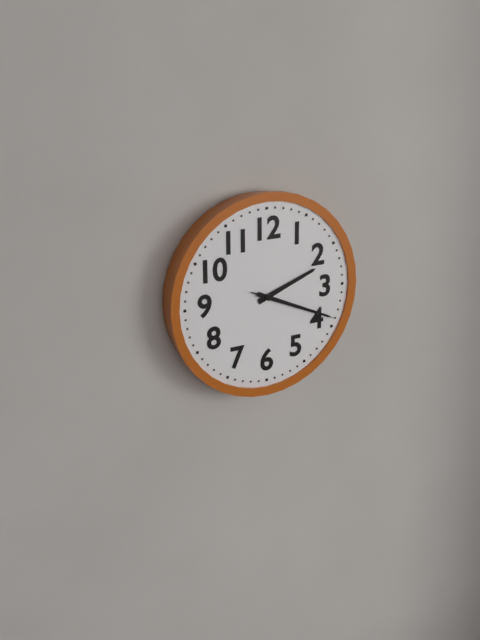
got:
2:19:19
